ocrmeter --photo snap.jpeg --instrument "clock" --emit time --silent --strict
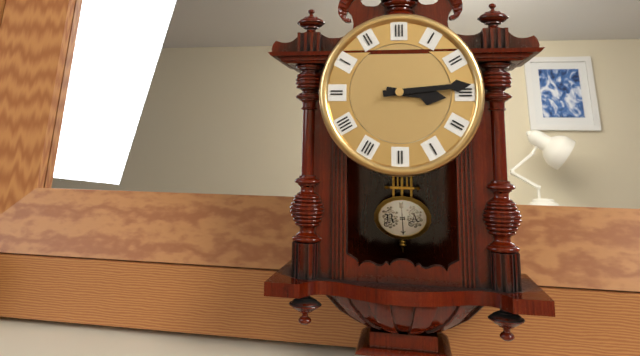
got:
3:14
